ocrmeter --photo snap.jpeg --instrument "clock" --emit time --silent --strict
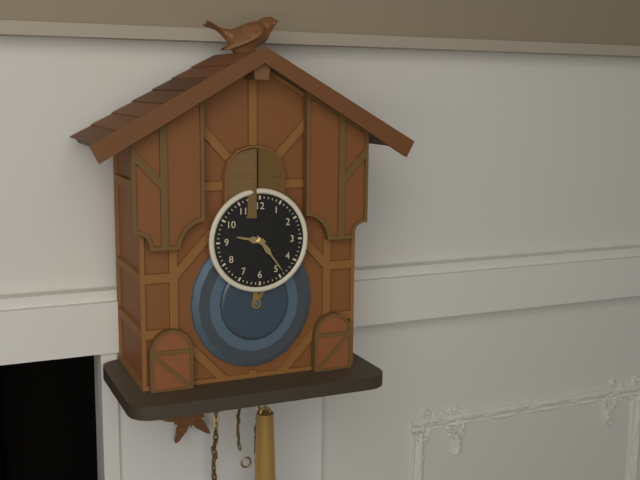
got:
9:24
